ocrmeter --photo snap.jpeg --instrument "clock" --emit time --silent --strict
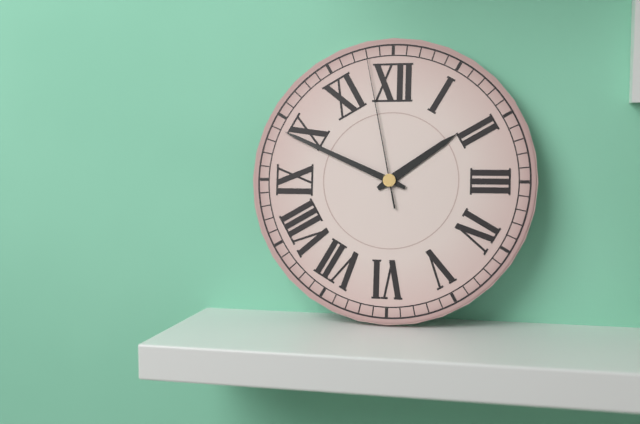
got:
1:49:58
